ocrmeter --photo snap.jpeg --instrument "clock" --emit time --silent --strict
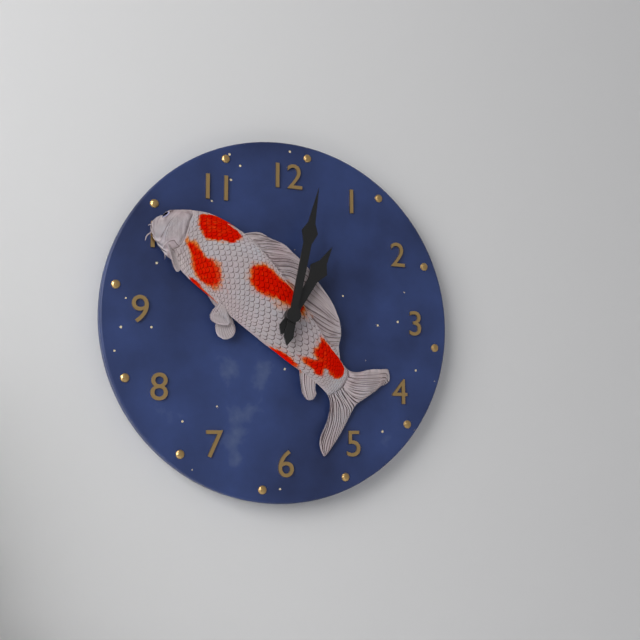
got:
1:02
